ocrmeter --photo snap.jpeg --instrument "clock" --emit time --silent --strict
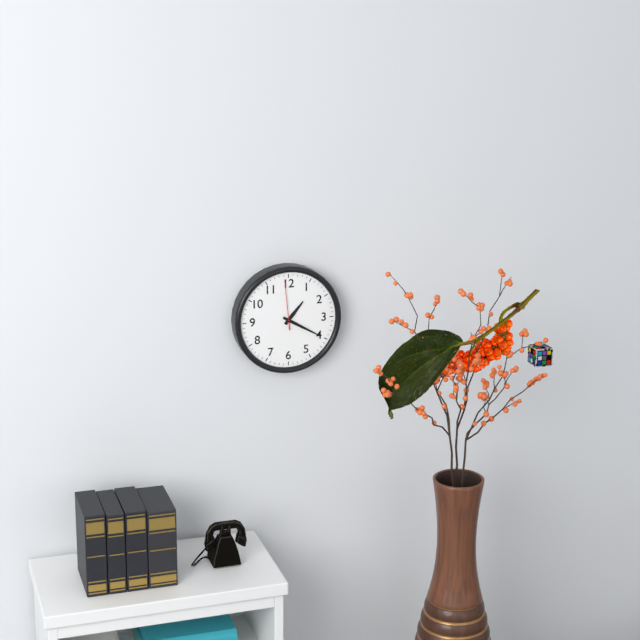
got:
1:20
